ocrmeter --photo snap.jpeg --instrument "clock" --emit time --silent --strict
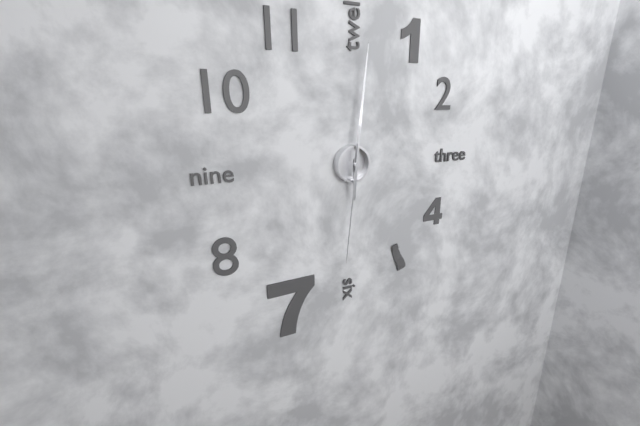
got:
6:01:31
